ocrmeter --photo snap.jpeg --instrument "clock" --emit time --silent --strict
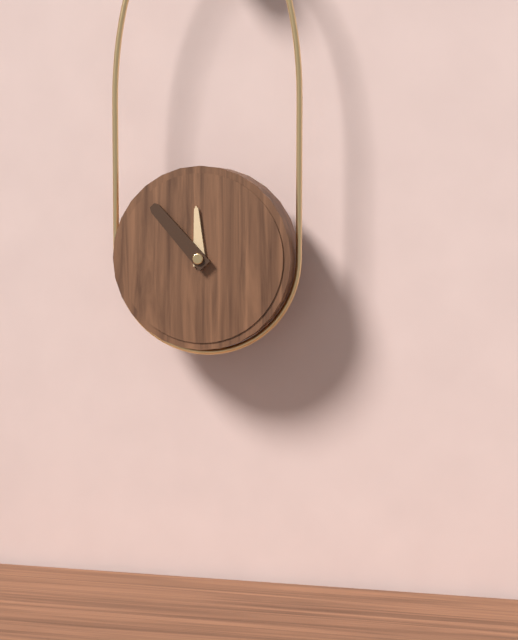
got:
11:53
